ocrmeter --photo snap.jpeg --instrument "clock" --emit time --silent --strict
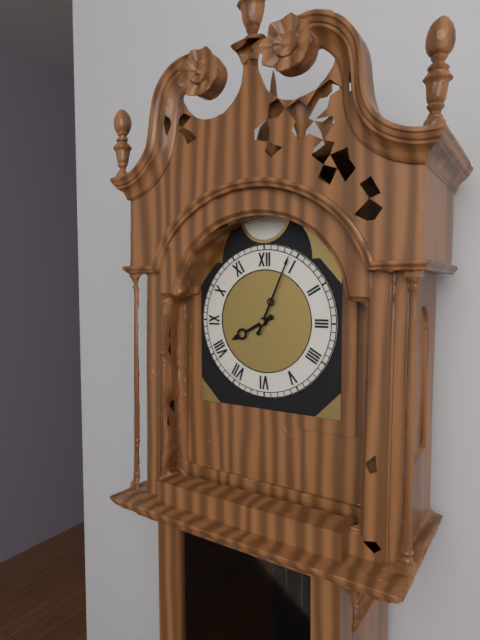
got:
8:04
